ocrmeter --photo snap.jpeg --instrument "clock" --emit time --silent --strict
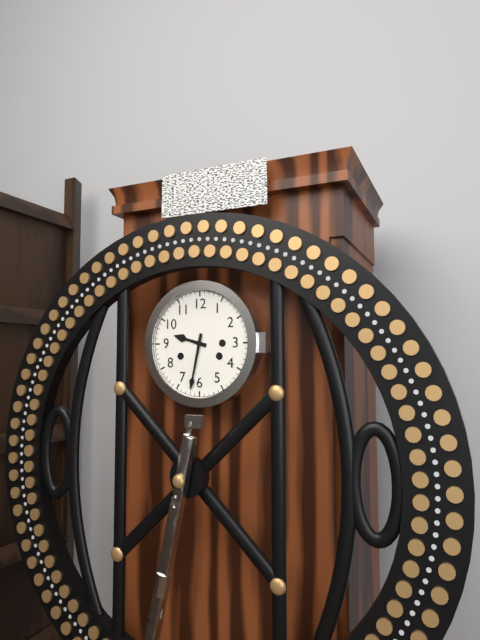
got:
9:32
